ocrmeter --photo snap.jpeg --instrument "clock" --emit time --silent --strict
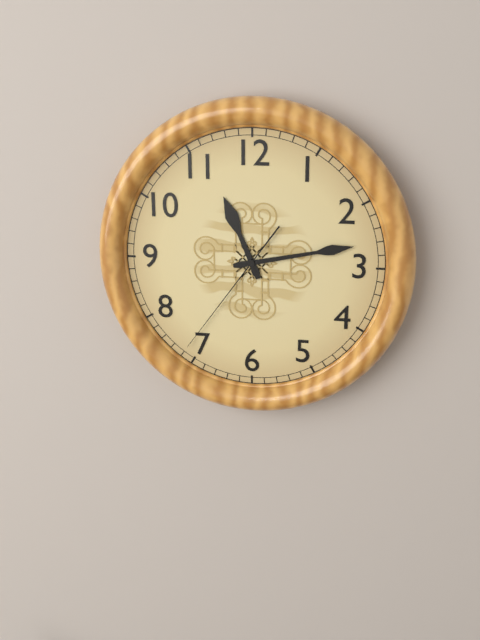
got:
11:13:36
